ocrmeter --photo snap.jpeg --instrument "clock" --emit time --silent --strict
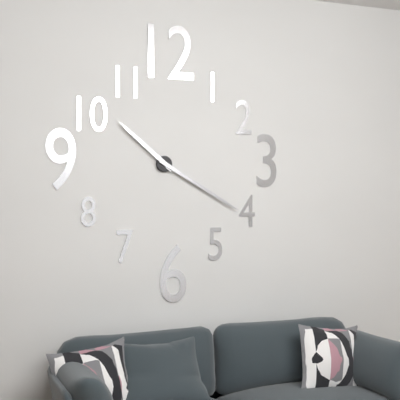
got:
10:20
